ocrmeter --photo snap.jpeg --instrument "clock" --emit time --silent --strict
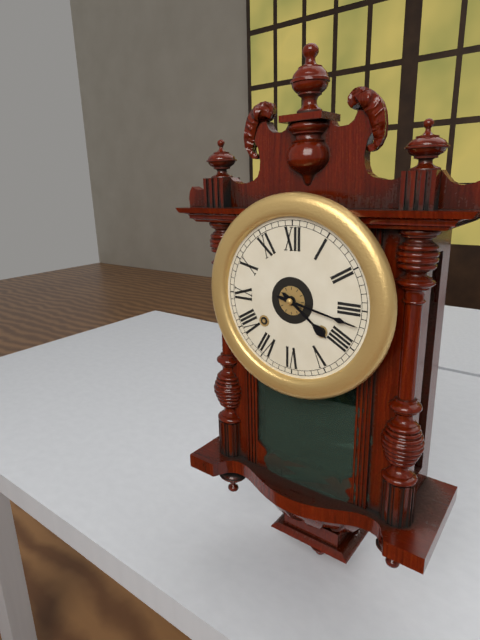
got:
4:17
